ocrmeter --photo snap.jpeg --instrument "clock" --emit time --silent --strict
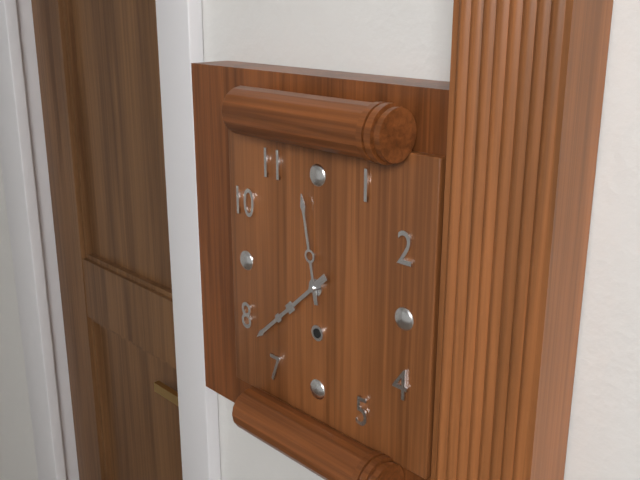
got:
11:38
